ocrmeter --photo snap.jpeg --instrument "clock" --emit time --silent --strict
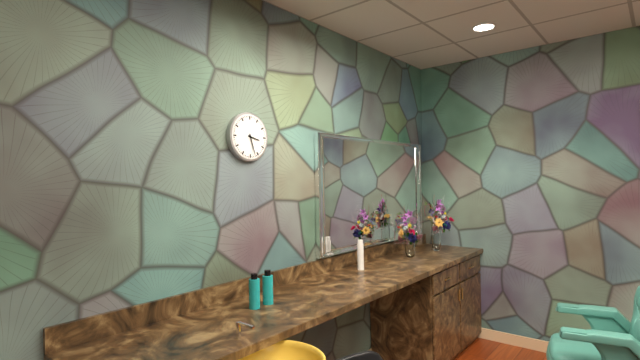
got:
3:27
